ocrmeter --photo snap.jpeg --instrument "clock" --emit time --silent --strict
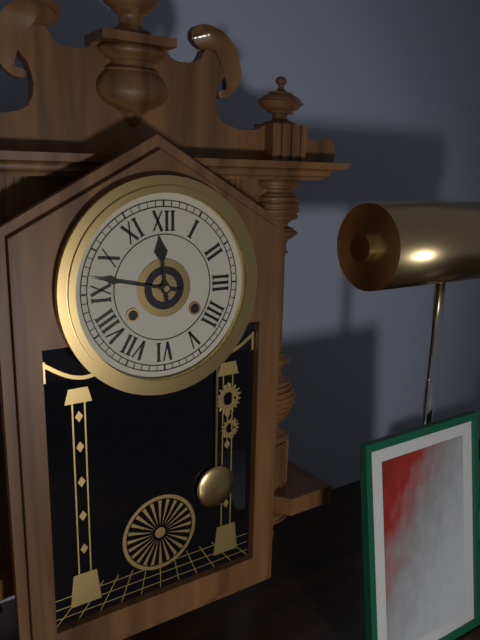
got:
11:47
